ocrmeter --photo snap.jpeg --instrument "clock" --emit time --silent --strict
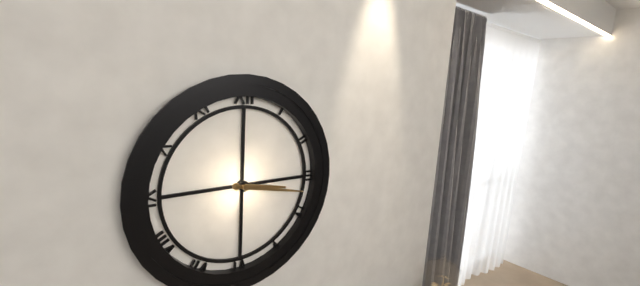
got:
3:17
